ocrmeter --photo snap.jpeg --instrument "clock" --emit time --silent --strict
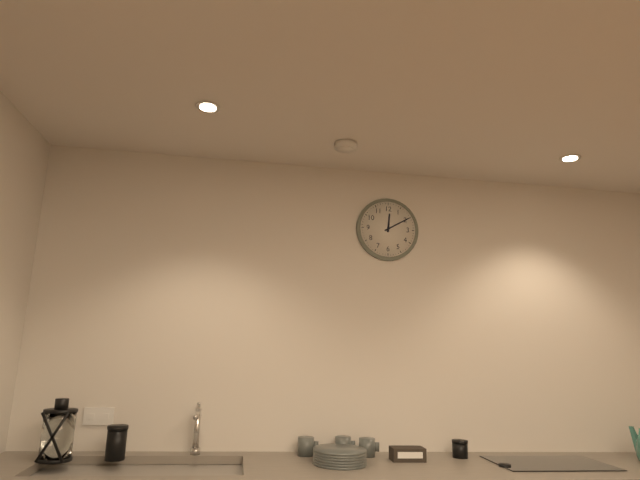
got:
12:10
